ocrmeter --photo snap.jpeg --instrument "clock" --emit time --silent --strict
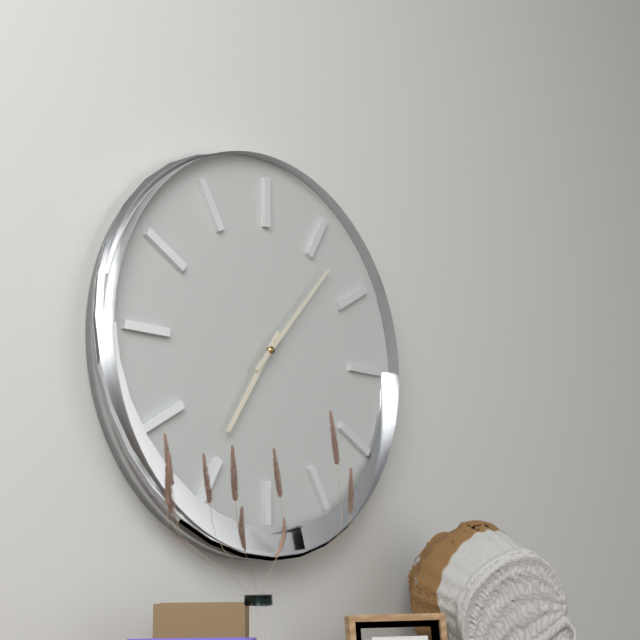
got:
7:07
